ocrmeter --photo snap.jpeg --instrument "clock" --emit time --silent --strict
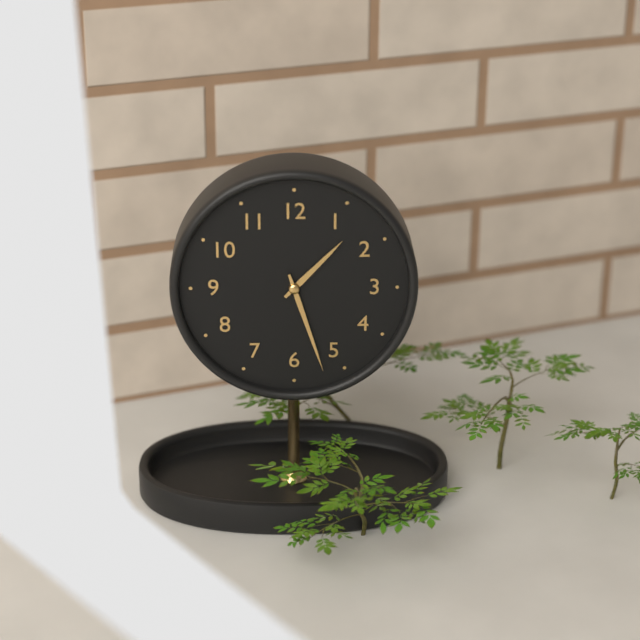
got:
1:27
